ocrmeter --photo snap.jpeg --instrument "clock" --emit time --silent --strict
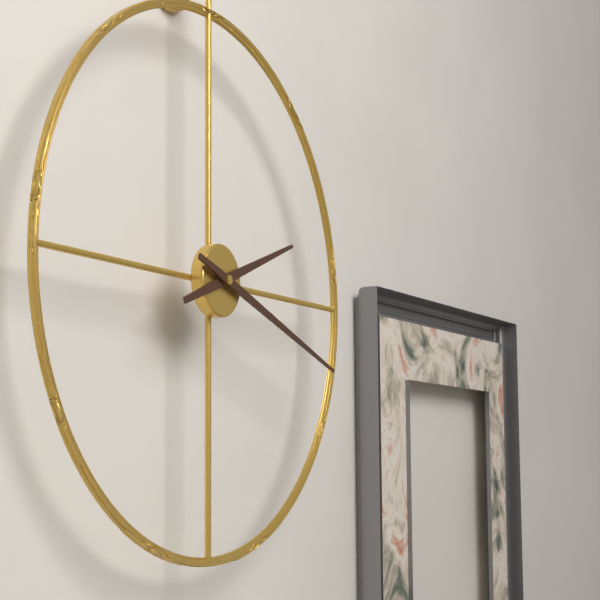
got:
2:18
